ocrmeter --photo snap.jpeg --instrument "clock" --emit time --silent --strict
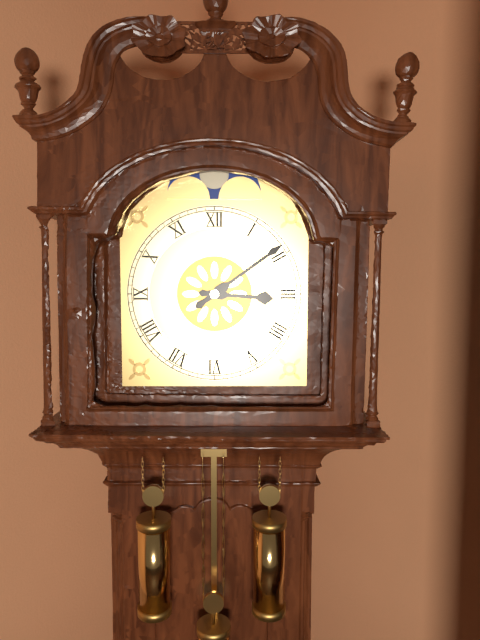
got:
3:09
